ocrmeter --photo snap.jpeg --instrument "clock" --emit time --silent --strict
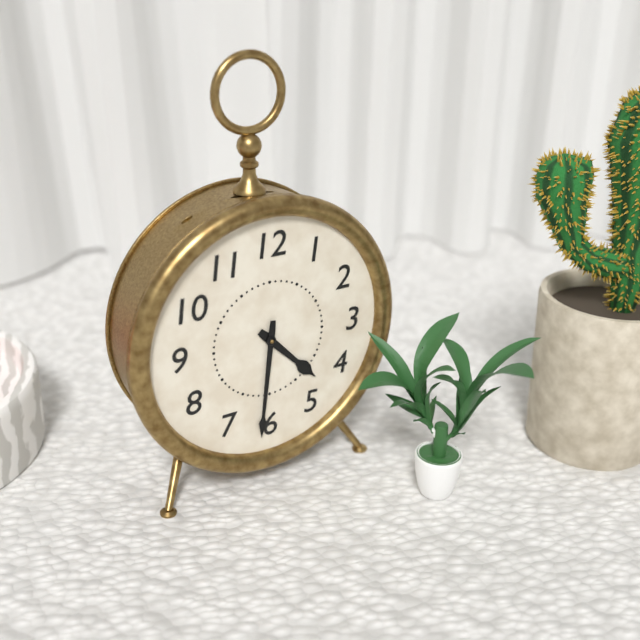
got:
4:31
